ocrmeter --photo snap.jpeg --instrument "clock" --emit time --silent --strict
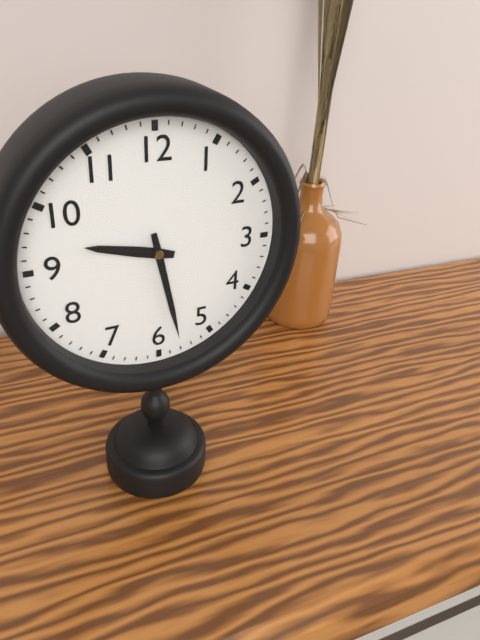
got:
9:28
